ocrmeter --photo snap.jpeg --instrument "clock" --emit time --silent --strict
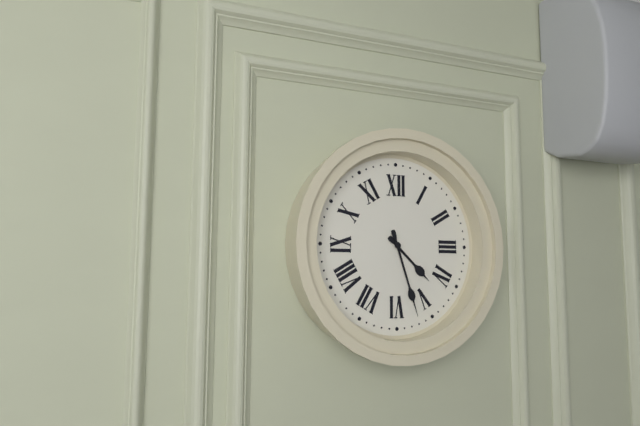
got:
4:27
